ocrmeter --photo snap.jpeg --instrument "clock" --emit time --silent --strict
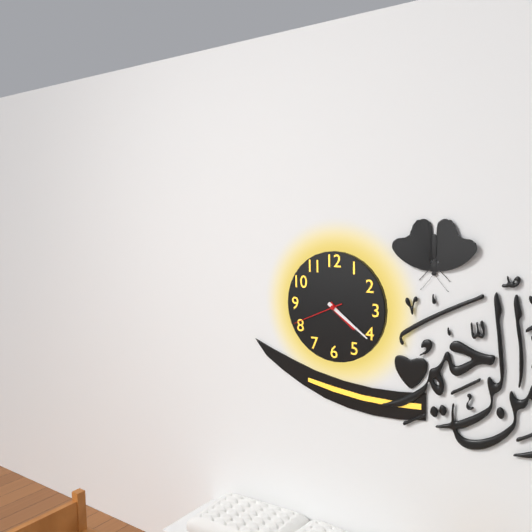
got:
4:21:41
